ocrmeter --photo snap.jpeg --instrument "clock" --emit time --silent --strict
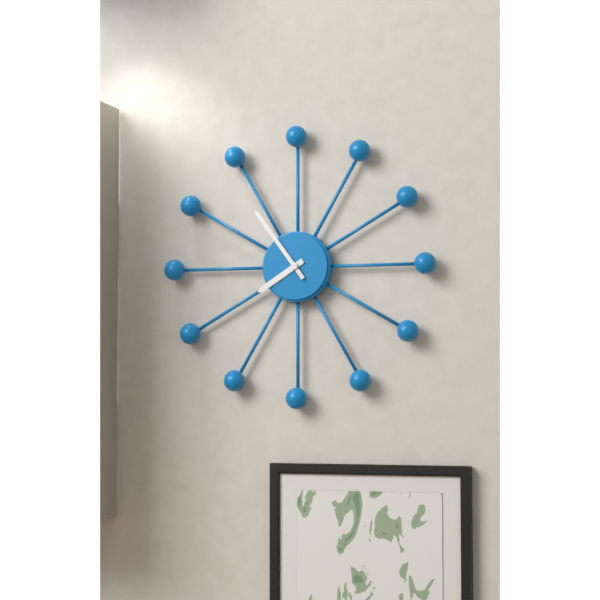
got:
7:54
